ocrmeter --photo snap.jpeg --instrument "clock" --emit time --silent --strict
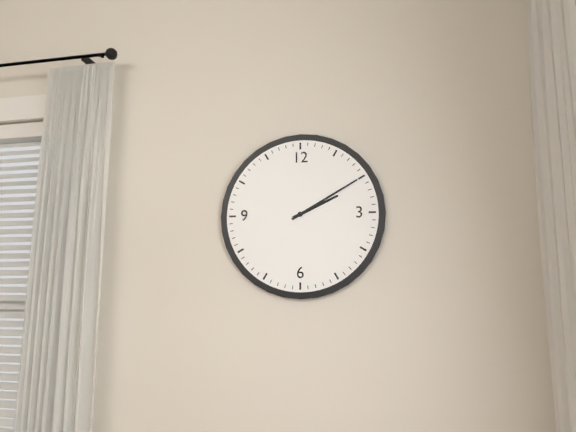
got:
2:10
